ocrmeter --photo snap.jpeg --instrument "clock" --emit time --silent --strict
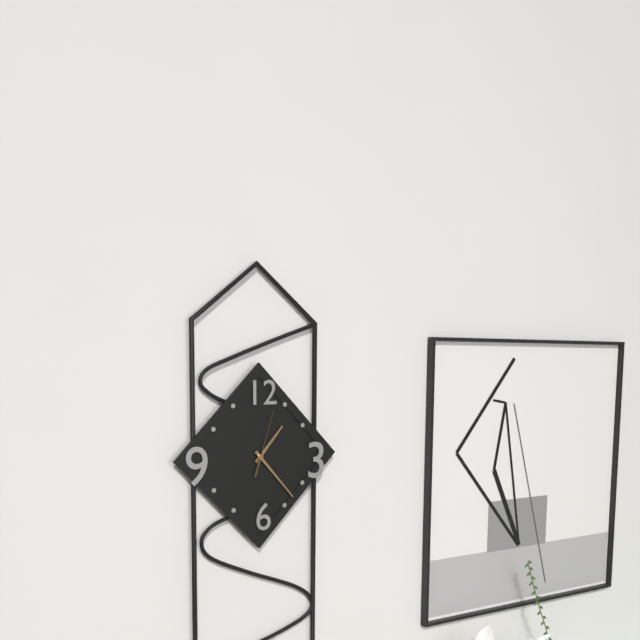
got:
1:23:03
